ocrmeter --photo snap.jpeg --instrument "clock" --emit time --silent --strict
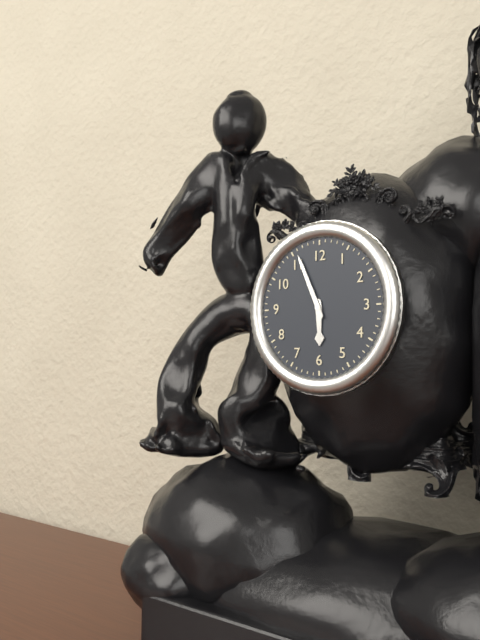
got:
5:56
